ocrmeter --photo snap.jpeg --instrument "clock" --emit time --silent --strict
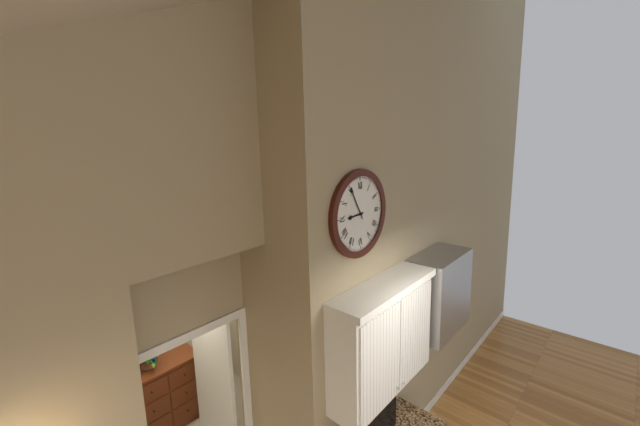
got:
8:55
